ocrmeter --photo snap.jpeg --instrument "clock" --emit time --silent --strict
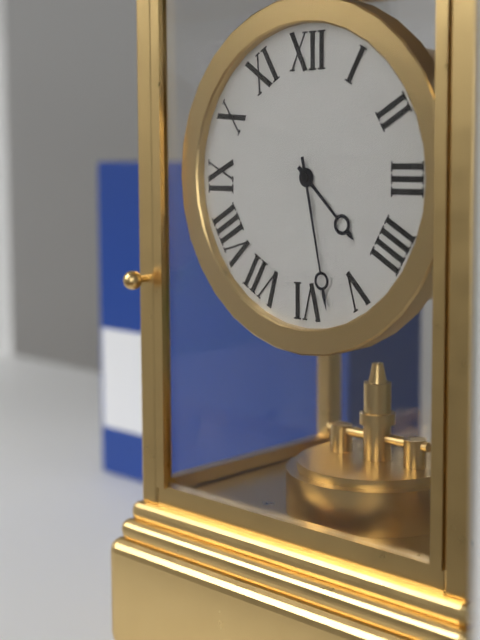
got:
4:28
